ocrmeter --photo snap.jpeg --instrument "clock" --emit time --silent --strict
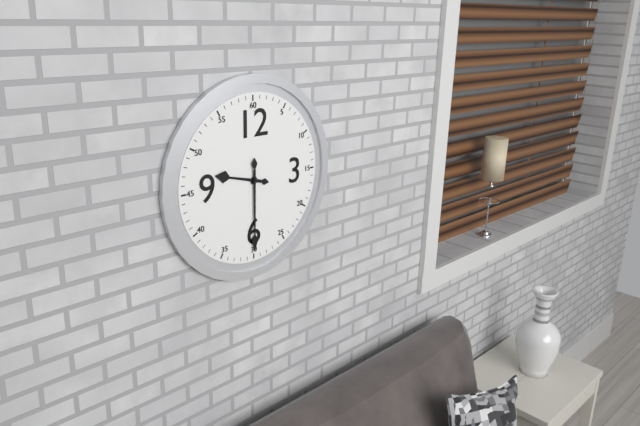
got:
9:30
